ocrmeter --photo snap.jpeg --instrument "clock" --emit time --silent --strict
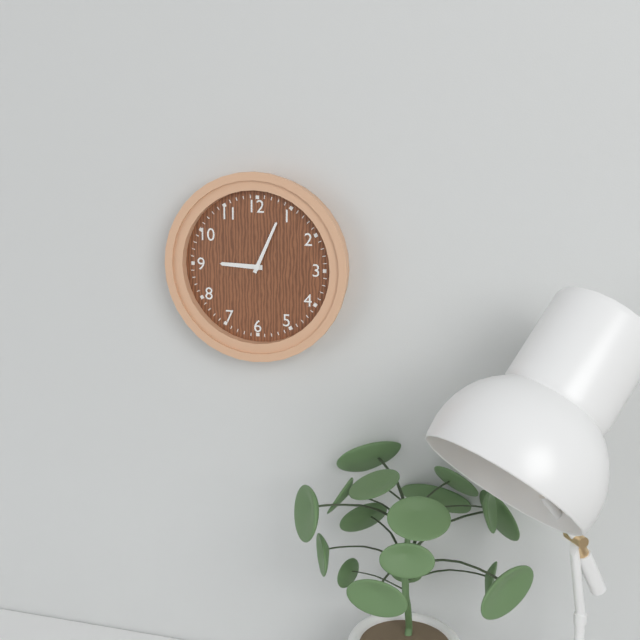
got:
9:04
